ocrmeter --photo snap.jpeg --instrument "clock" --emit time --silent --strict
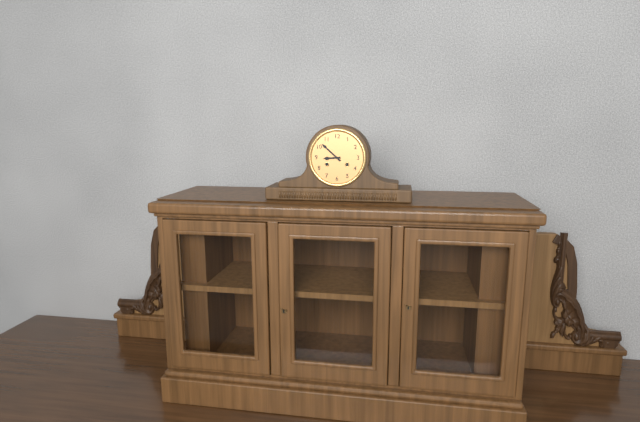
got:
8:52
